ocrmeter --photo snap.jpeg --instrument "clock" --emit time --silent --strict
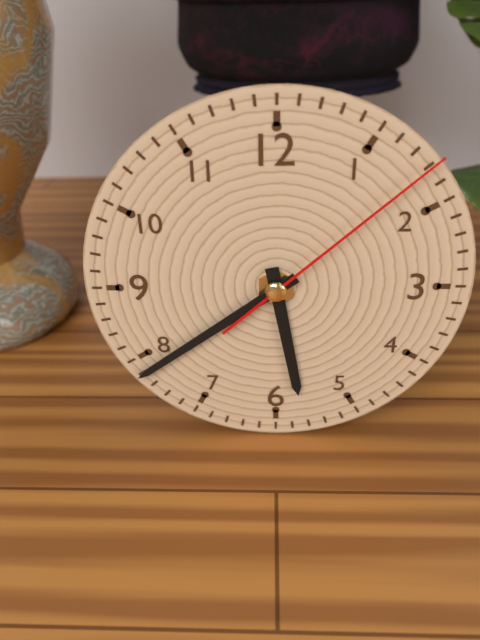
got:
5:39:08
